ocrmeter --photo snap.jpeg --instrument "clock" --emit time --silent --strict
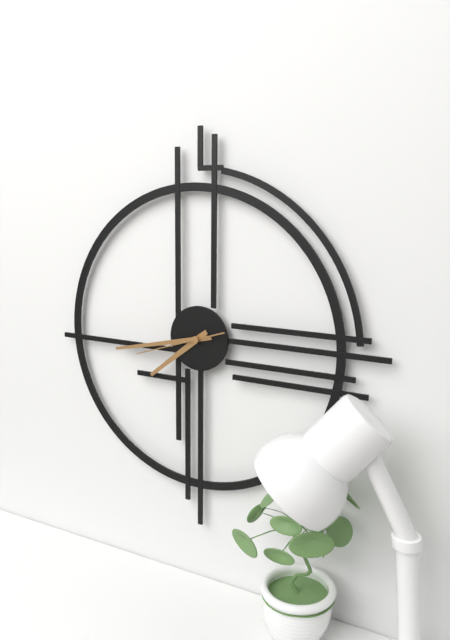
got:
7:43:42
